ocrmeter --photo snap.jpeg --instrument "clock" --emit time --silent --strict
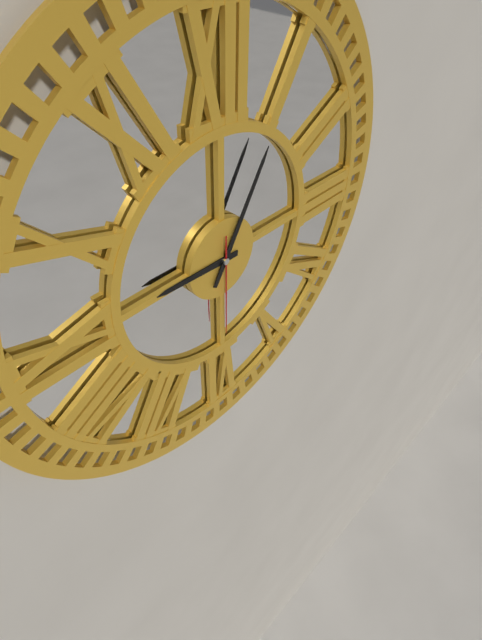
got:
9:05:30
